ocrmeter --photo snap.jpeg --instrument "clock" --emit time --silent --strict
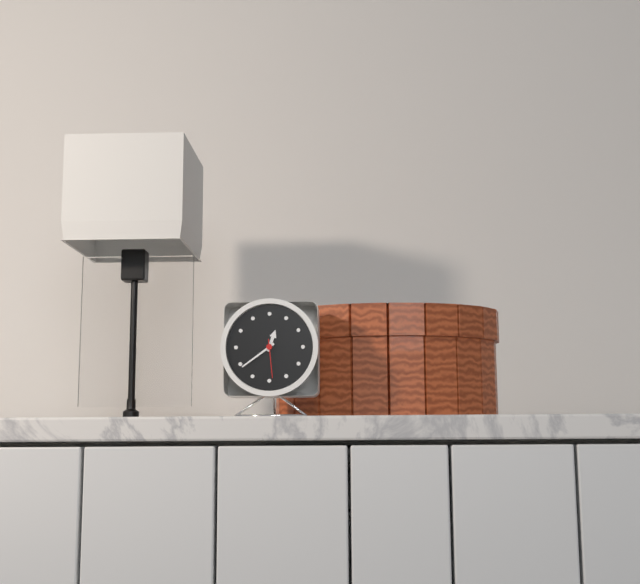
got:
12:39
